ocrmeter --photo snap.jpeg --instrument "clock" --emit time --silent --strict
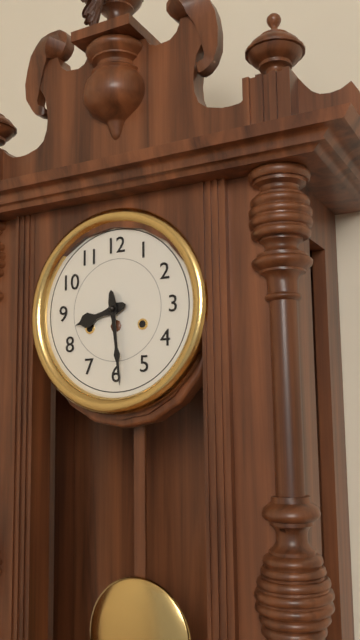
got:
8:29
